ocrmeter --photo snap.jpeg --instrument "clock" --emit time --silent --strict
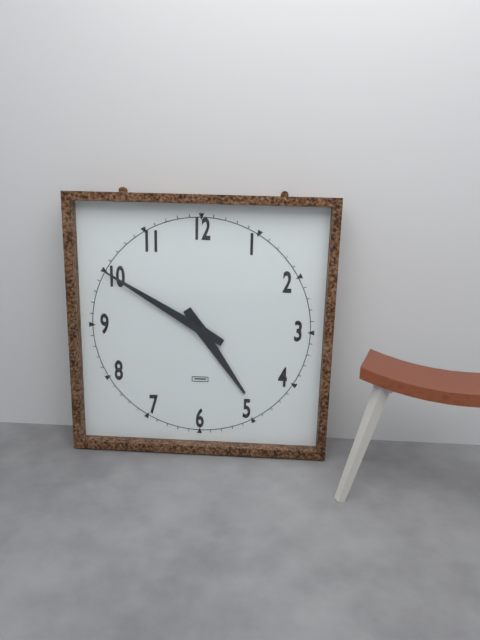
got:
4:50
